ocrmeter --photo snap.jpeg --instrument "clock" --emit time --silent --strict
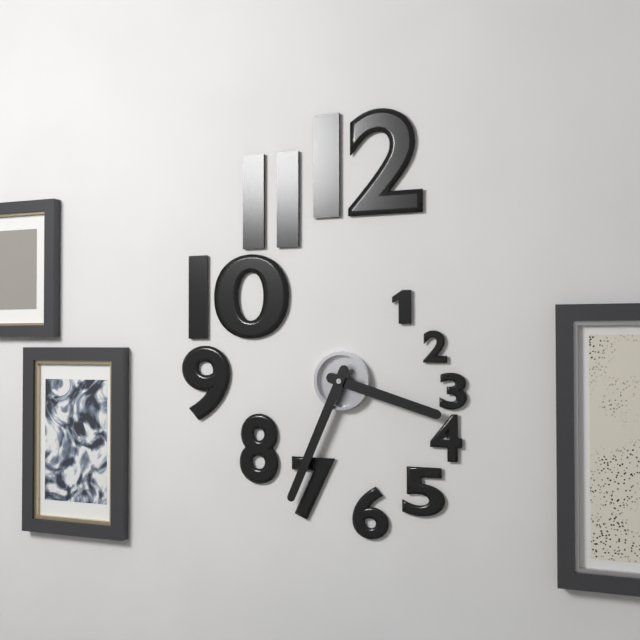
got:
3:34
